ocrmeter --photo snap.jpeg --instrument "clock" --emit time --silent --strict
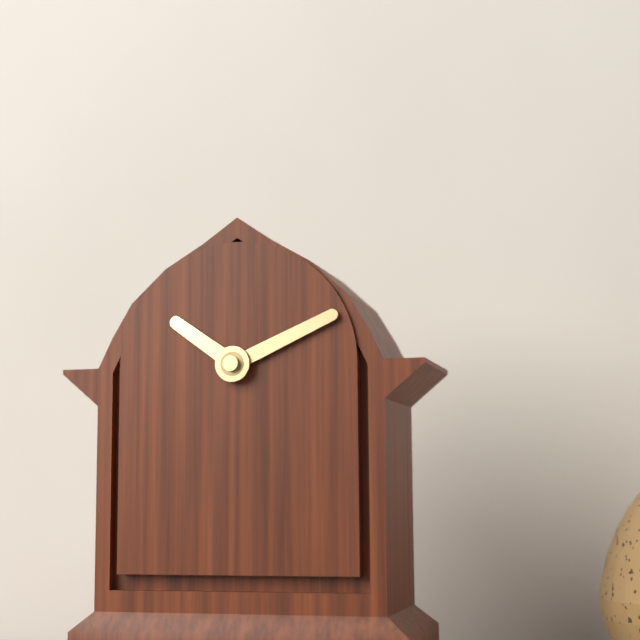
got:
10:11
